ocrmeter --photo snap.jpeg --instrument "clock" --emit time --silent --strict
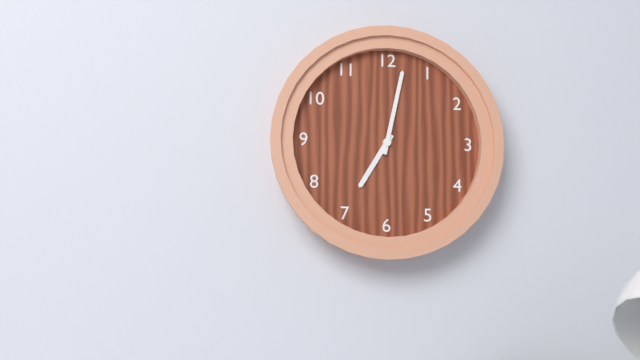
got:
7:02
